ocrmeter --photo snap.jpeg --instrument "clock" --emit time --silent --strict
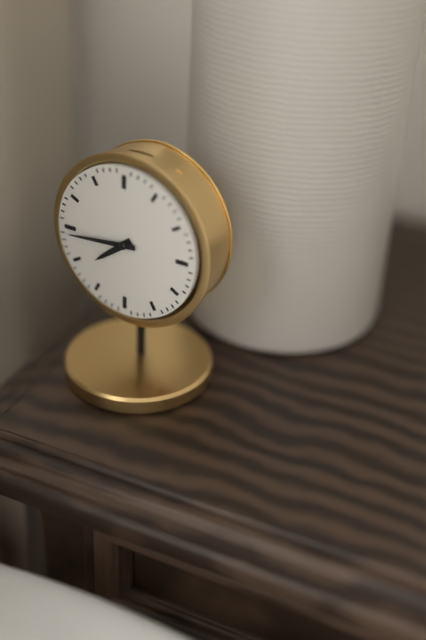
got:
7:44
